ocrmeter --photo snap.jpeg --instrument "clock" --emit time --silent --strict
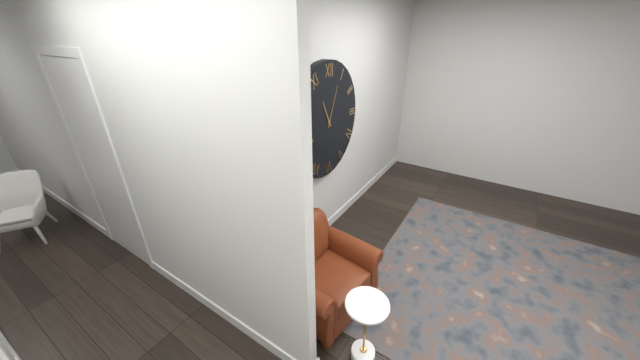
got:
11:04
